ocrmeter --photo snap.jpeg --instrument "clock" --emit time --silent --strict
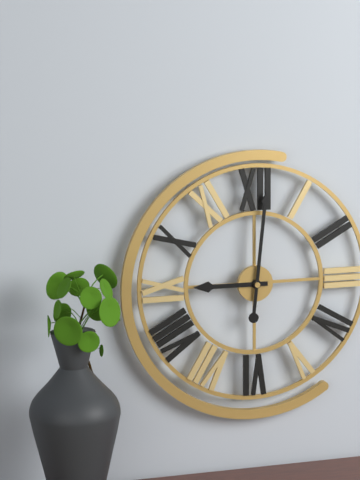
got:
9:01
